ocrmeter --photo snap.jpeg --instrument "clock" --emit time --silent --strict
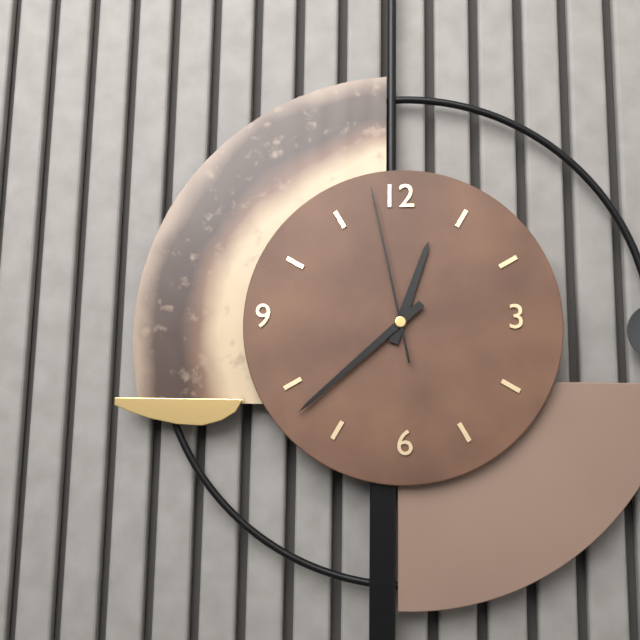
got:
12:38:58
